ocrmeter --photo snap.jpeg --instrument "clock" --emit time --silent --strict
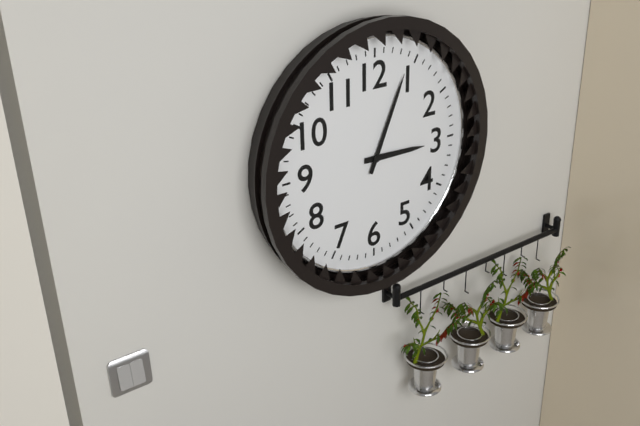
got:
3:04
